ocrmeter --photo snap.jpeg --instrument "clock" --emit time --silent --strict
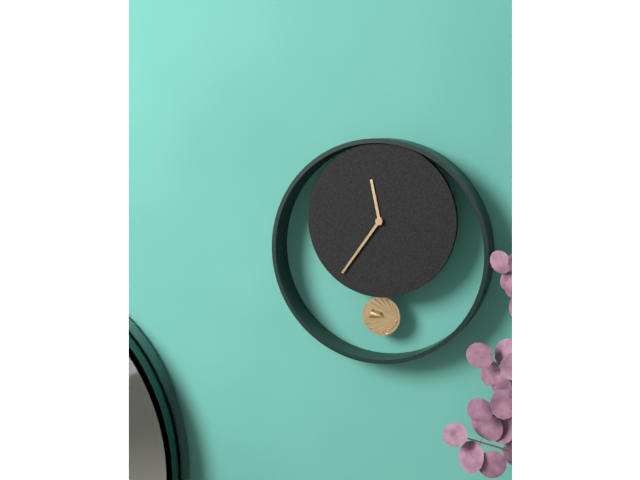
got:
11:36
